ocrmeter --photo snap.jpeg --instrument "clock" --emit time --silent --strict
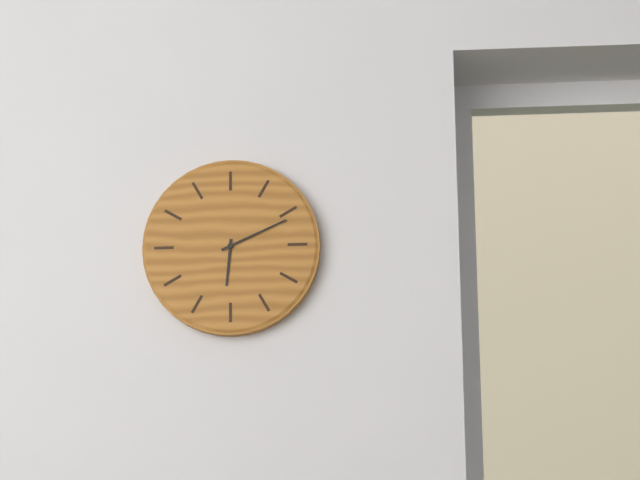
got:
6:11
